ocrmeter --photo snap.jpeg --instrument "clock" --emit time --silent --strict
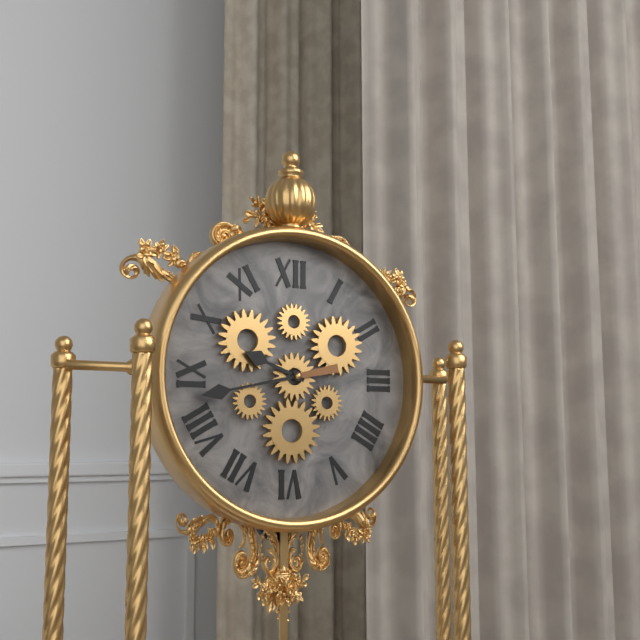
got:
9:43
